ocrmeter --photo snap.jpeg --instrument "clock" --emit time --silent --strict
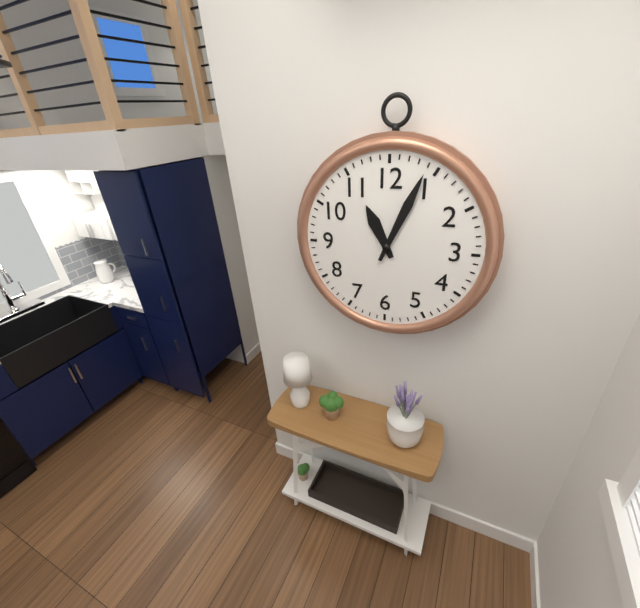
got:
11:04
